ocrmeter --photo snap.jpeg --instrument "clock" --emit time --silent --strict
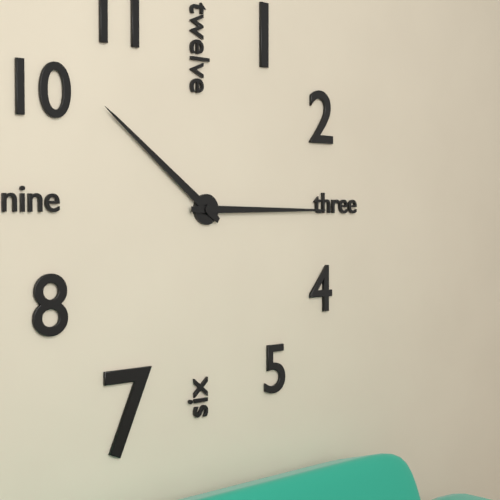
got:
10:15
